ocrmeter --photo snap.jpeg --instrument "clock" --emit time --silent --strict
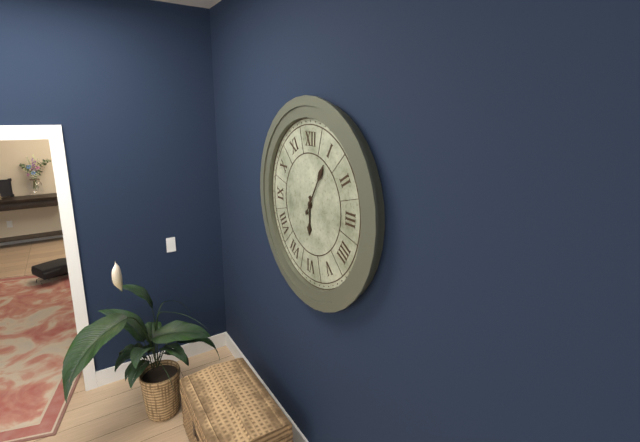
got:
6:05
